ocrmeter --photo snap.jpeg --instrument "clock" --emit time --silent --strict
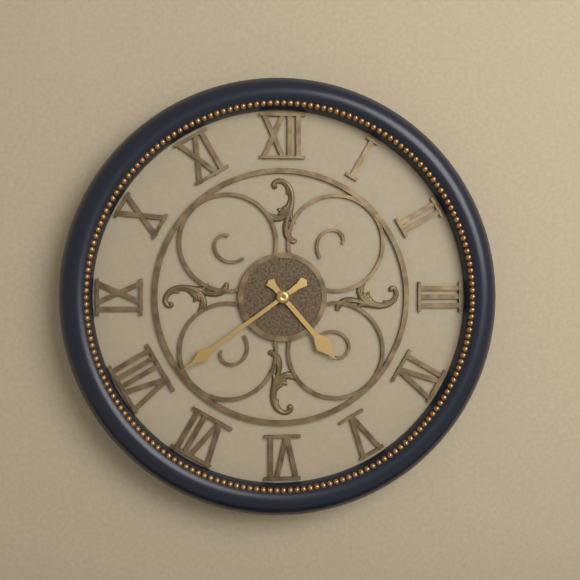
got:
4:39
